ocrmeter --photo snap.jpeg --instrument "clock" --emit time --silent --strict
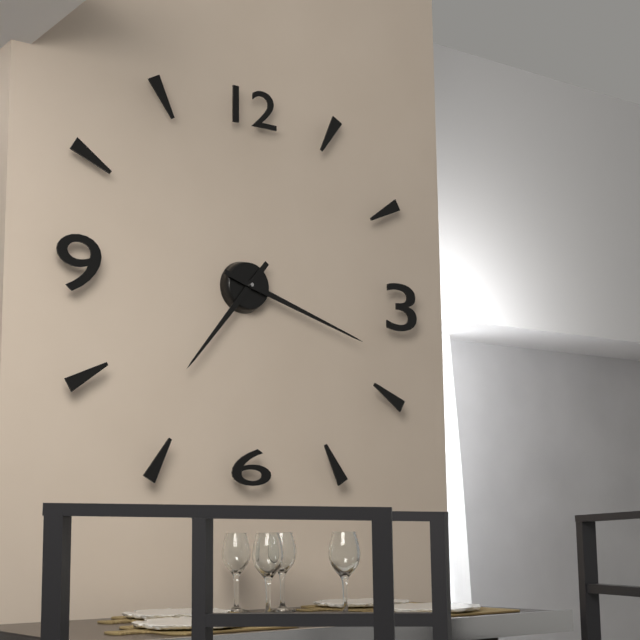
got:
7:18
